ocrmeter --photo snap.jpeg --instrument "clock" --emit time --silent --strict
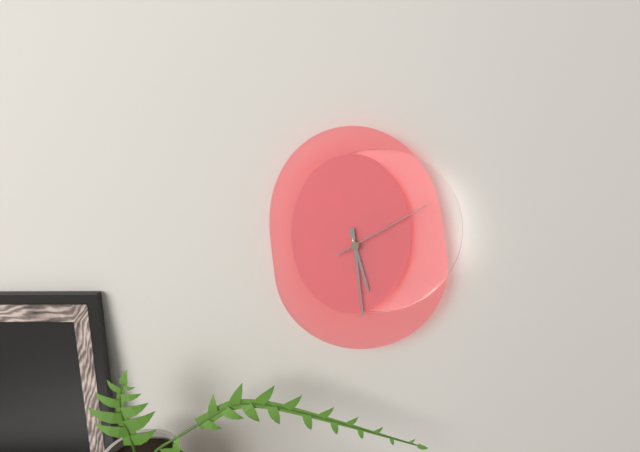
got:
5:29:10
